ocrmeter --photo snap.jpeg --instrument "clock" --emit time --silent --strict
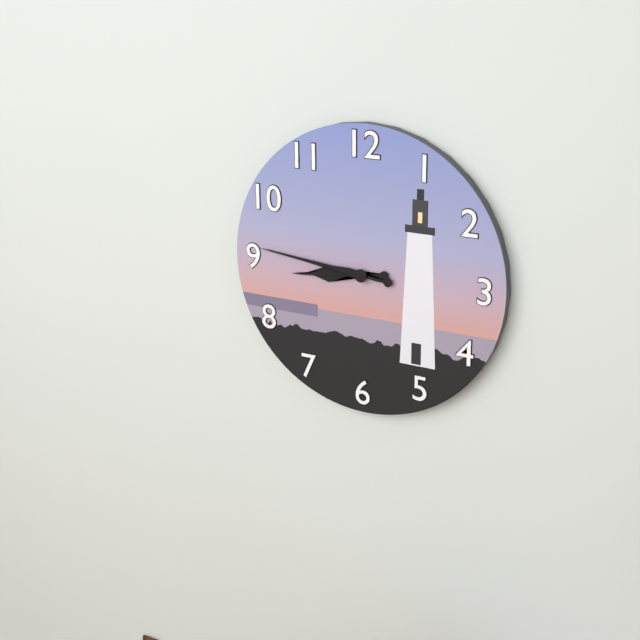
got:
8:46
